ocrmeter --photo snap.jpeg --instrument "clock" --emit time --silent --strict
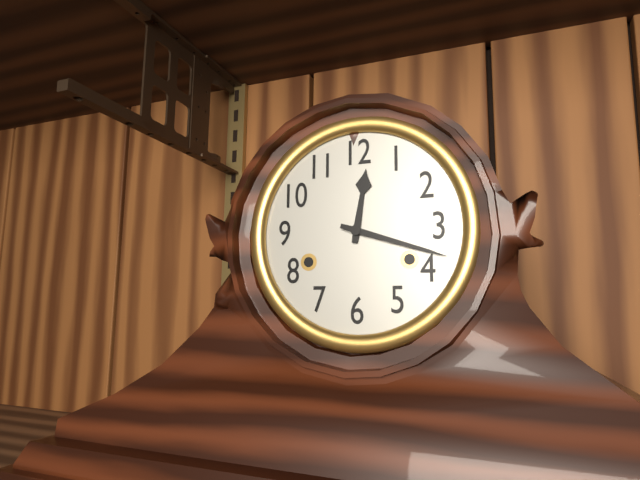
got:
12:18
